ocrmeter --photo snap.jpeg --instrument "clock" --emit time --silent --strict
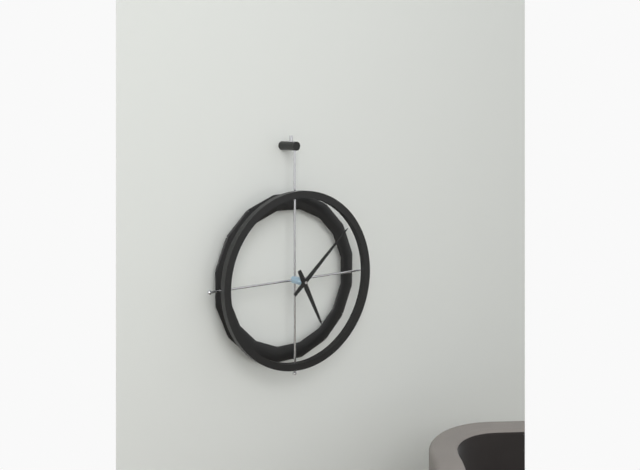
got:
5:08
